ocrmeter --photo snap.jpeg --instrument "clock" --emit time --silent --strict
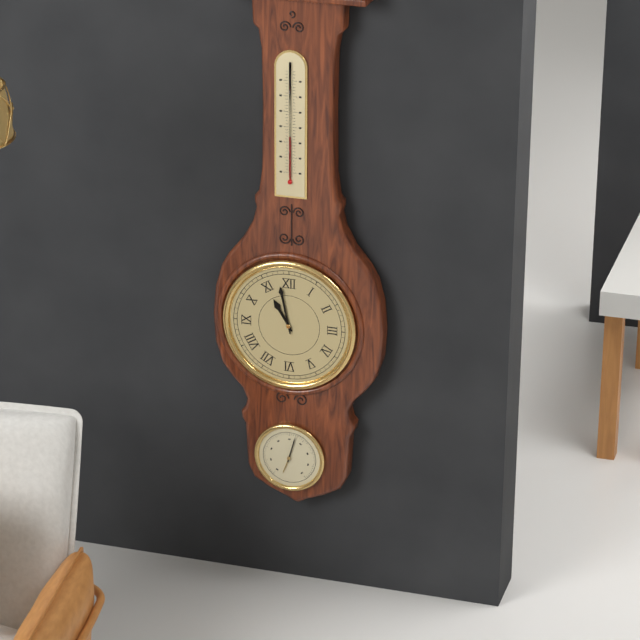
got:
10:58
